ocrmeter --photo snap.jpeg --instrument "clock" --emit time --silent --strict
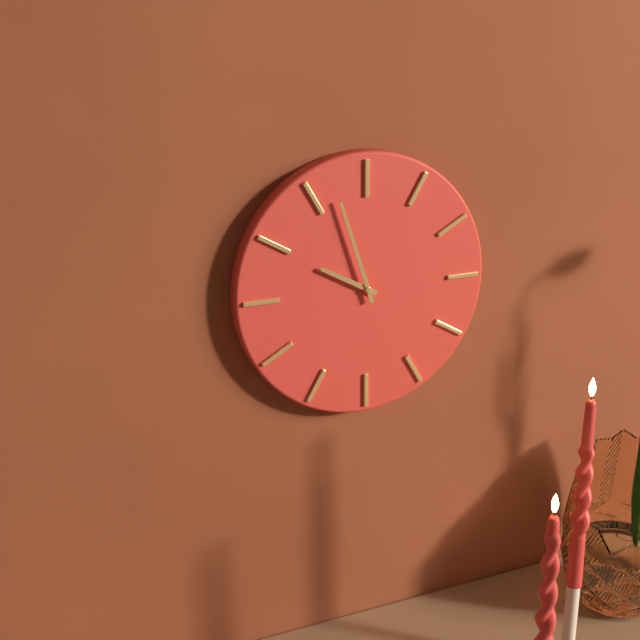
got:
9:57
